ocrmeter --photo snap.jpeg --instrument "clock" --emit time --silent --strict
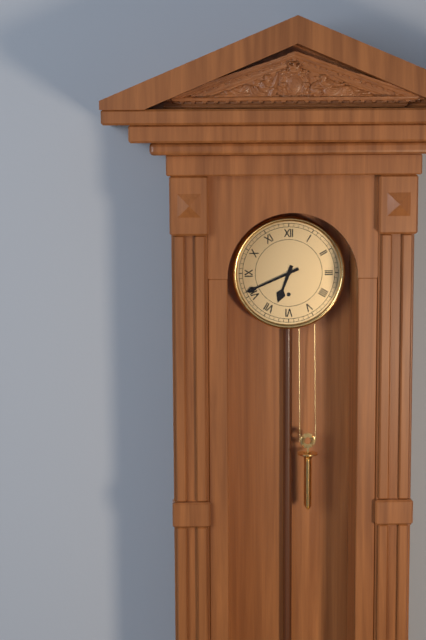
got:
6:41
